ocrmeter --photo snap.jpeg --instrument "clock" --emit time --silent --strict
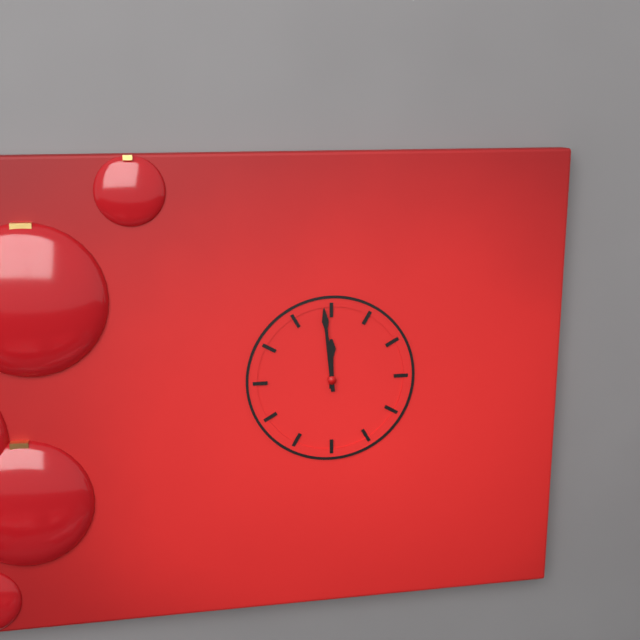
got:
11:59
